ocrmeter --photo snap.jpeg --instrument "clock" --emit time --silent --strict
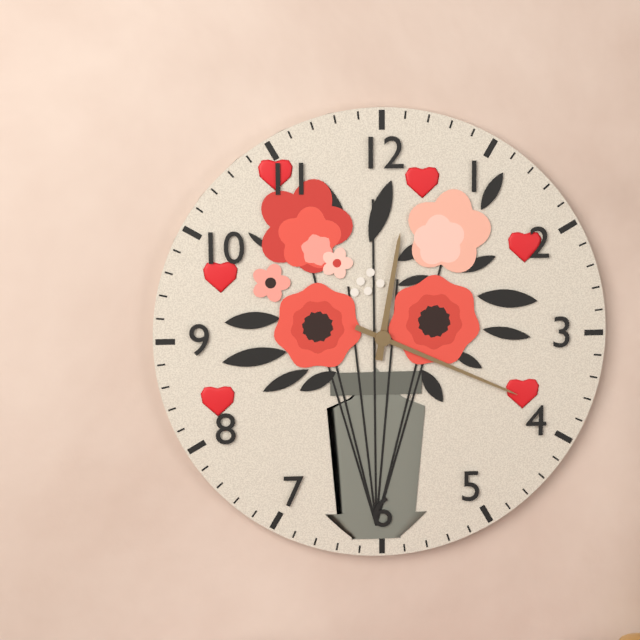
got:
12:19
